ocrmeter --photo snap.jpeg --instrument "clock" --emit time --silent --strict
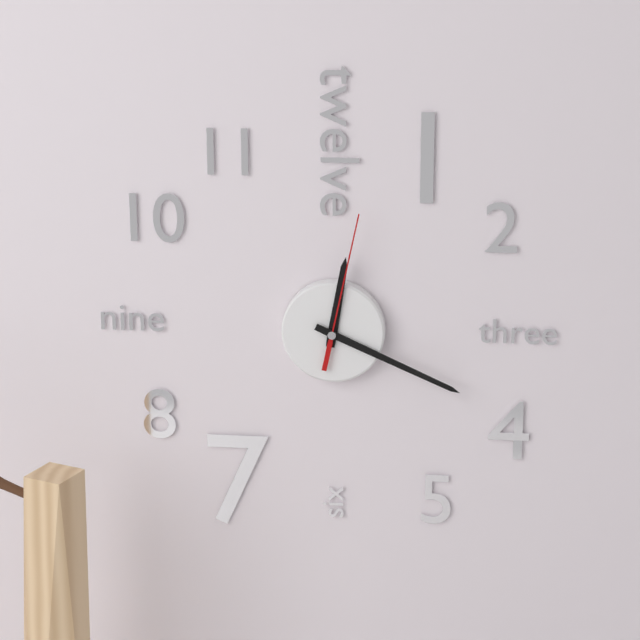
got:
12:19:02
